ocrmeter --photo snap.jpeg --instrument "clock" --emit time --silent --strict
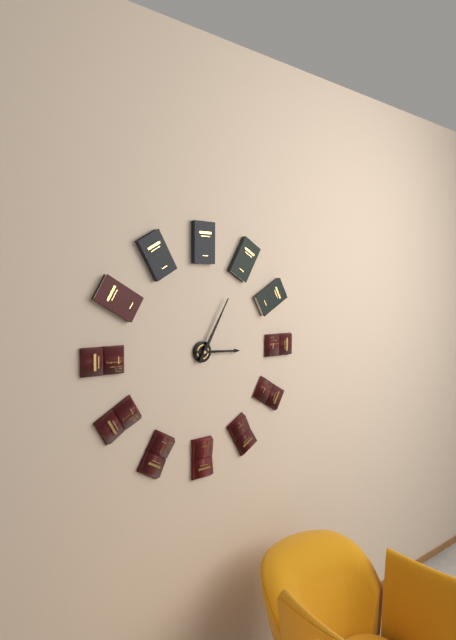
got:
3:05
